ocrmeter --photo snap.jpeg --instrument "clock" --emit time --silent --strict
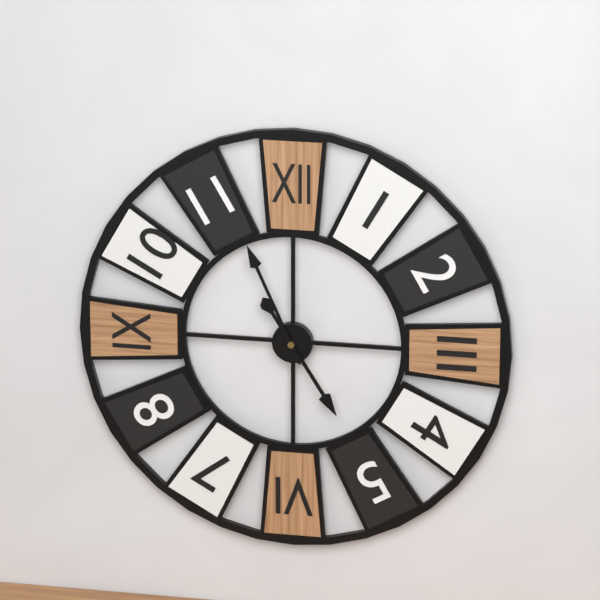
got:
4:56
